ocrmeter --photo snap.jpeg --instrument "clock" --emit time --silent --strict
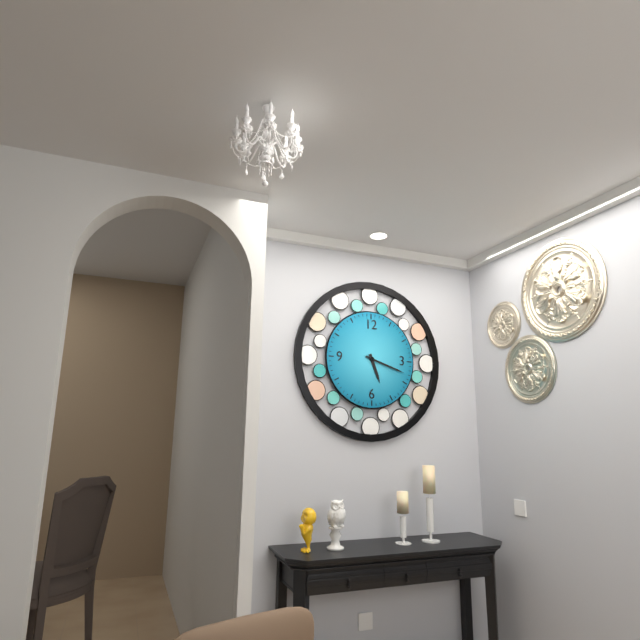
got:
5:18
